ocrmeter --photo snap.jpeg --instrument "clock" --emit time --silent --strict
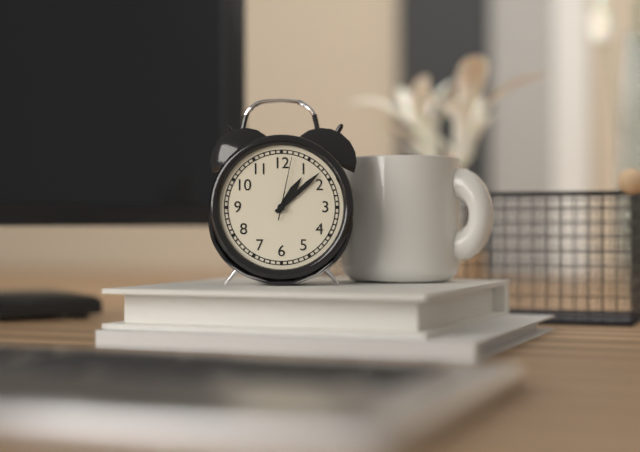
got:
1:08:02
